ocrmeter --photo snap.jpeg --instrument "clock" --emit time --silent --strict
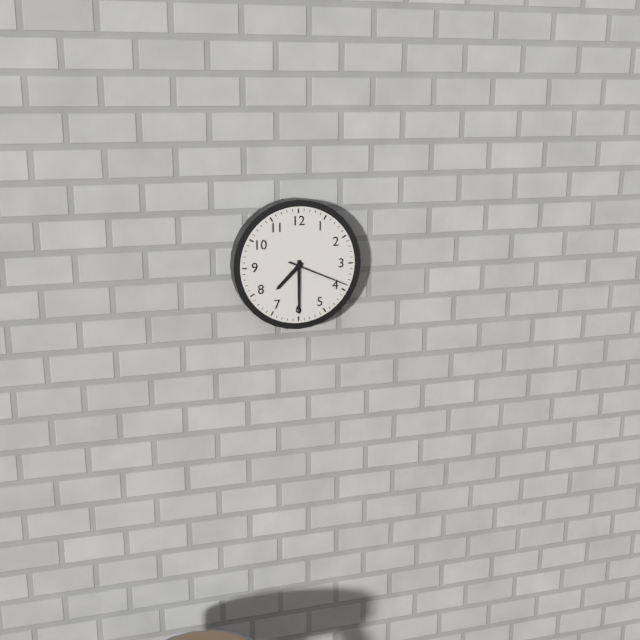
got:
7:30:19
